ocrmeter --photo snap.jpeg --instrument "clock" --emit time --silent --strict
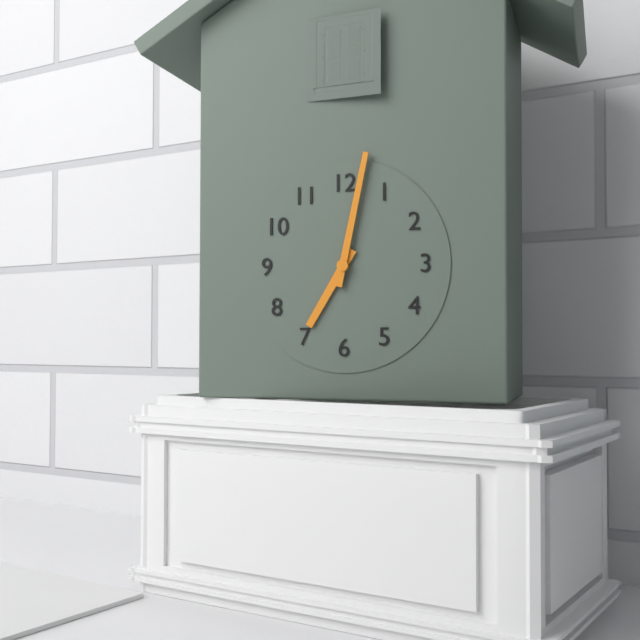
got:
7:02
